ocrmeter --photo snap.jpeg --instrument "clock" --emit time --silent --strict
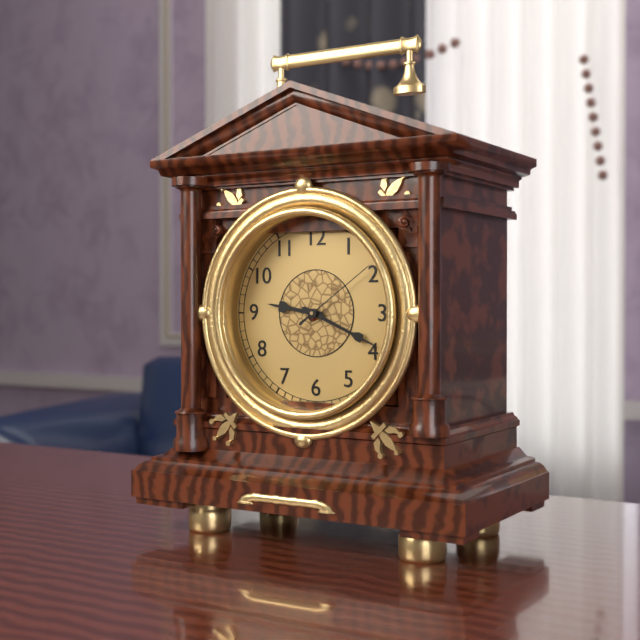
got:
9:19:09
